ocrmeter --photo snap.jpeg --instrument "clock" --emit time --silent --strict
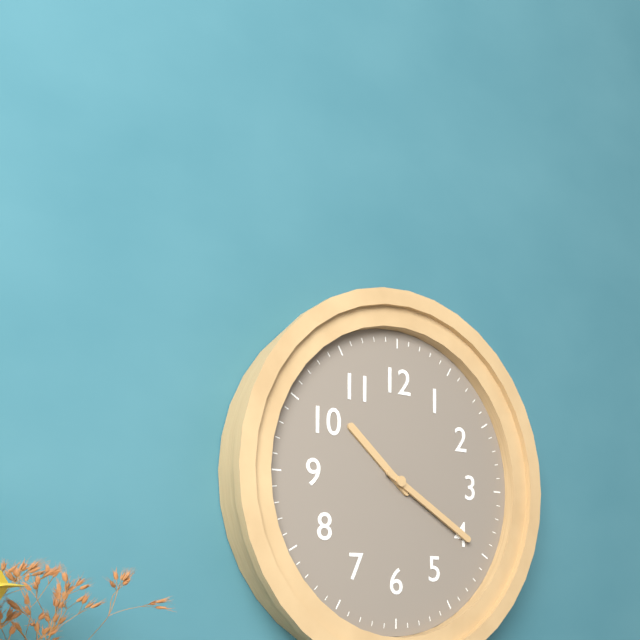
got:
10:20
